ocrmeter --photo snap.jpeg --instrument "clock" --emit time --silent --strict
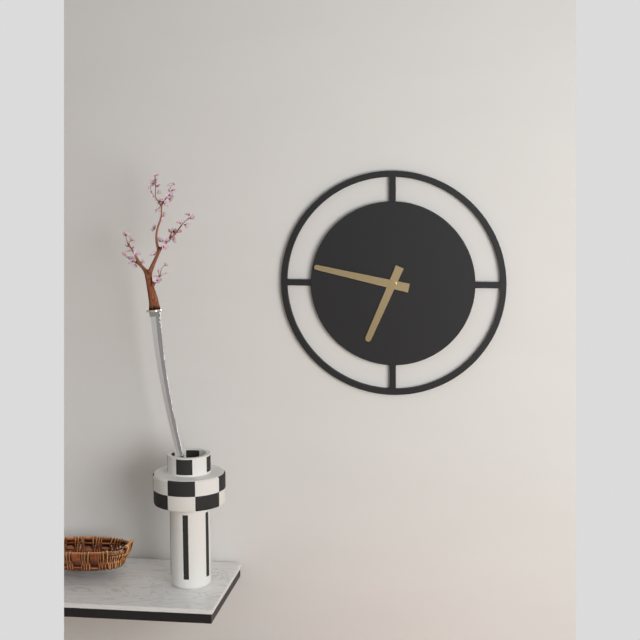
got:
6:47
